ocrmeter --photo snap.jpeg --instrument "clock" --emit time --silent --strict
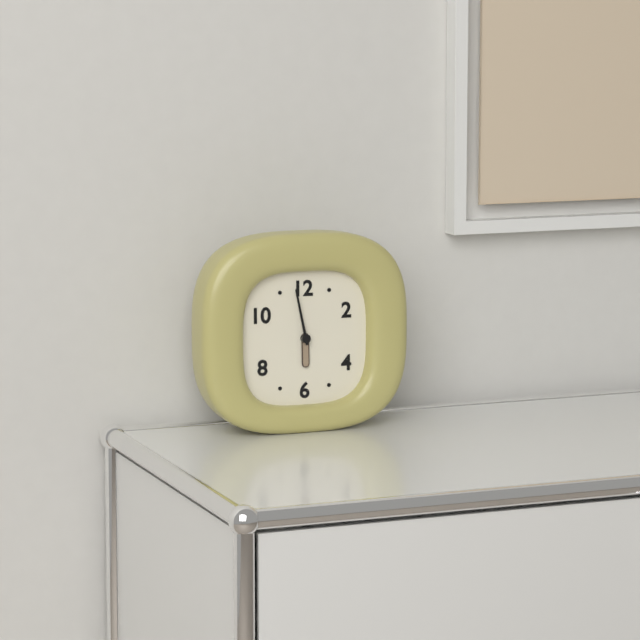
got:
5:58
